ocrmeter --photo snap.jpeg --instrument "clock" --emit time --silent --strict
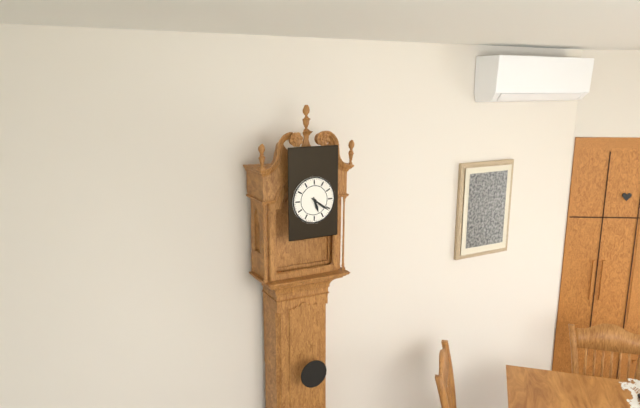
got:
5:21
